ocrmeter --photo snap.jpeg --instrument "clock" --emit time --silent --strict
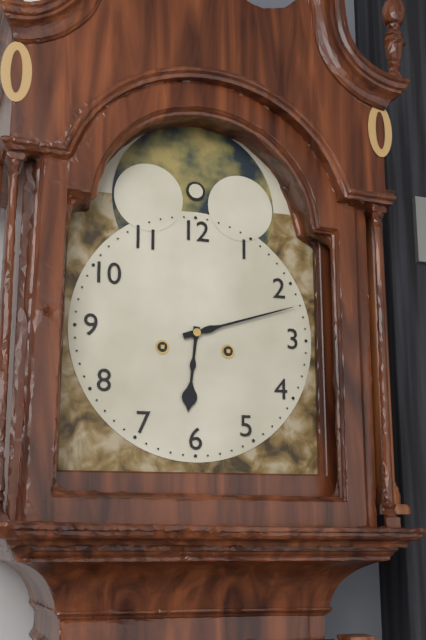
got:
6:12
